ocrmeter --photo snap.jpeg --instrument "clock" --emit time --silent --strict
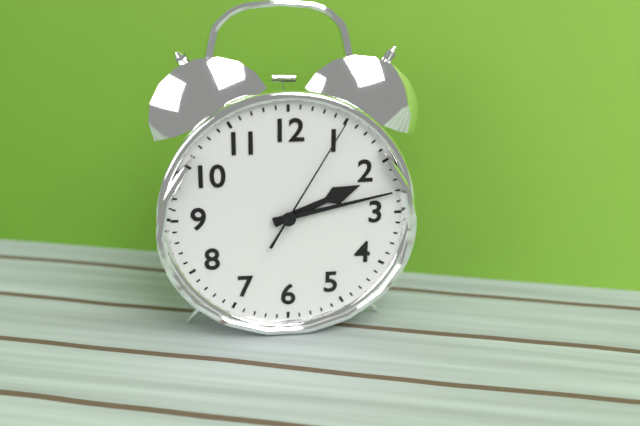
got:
2:13:05
